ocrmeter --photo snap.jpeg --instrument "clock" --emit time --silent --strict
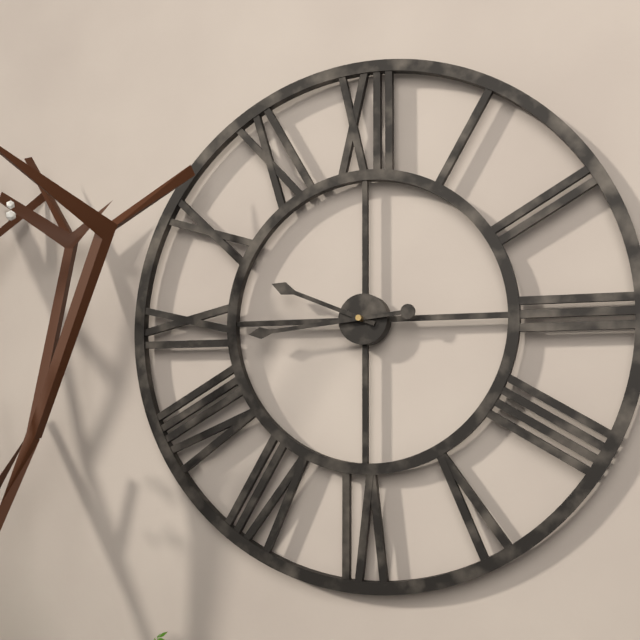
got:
9:44
